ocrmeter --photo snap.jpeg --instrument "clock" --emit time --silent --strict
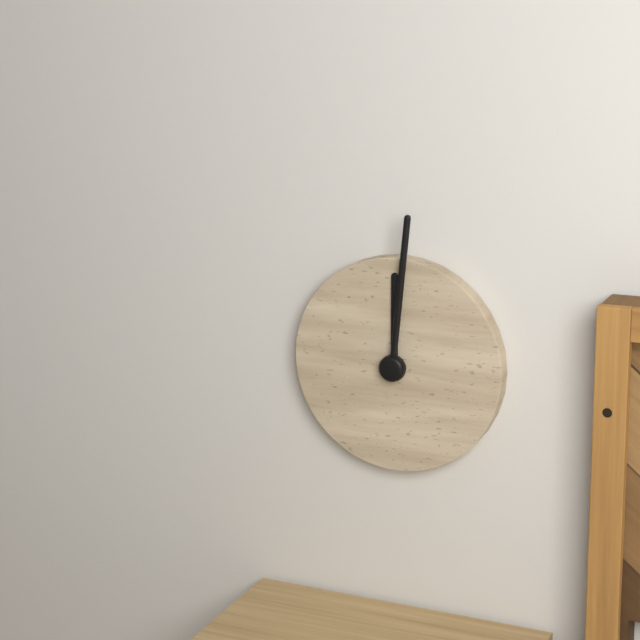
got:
12:01
